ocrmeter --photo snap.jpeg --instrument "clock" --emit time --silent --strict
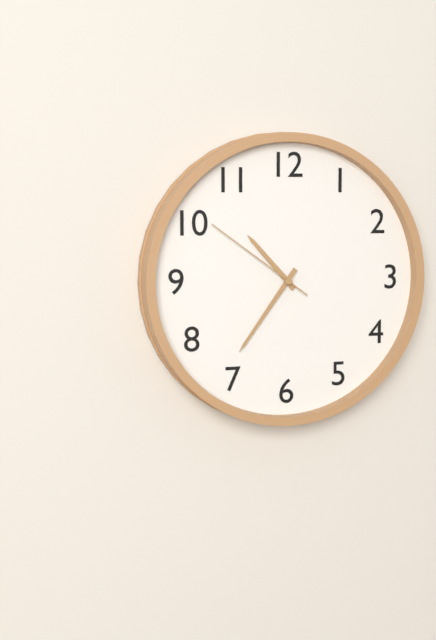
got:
10:36:51
